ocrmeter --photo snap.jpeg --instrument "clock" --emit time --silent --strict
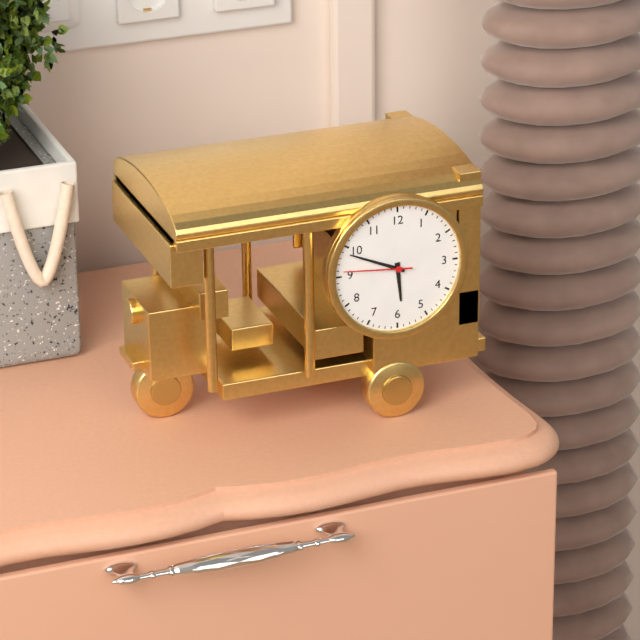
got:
5:49:46
